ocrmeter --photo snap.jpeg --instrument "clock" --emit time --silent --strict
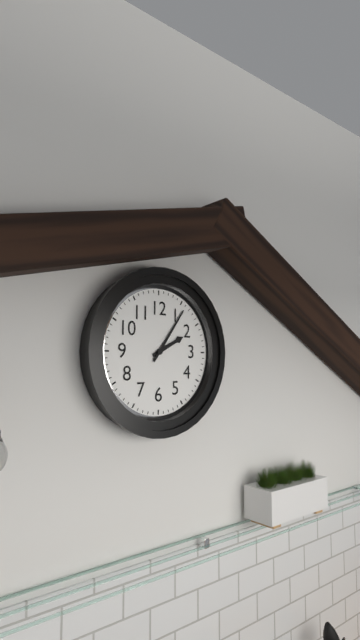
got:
2:06
